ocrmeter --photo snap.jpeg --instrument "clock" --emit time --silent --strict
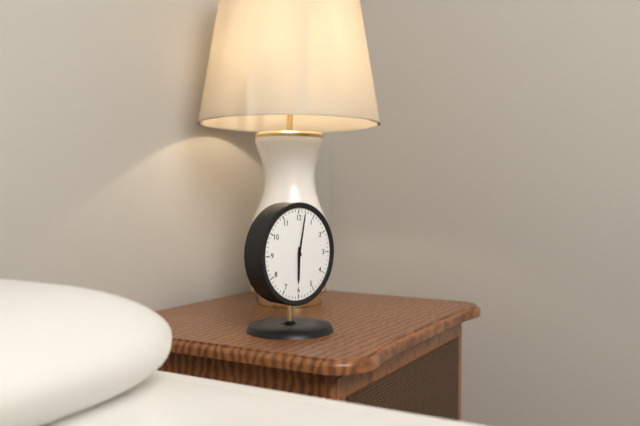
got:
6:02
